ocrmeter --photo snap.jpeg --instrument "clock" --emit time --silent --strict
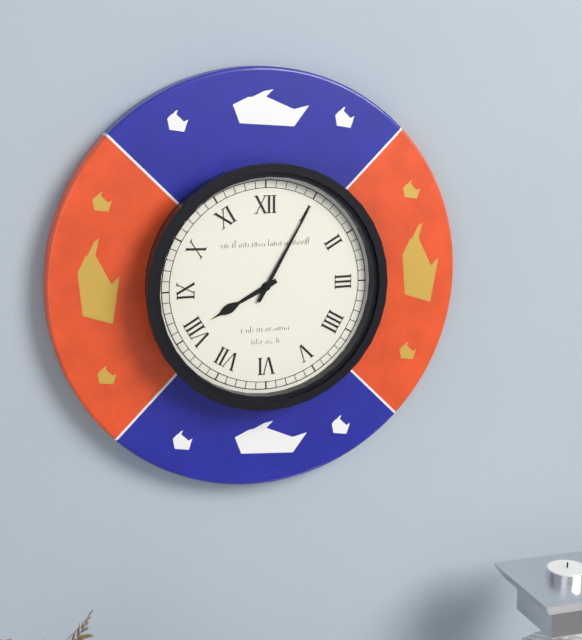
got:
8:05
